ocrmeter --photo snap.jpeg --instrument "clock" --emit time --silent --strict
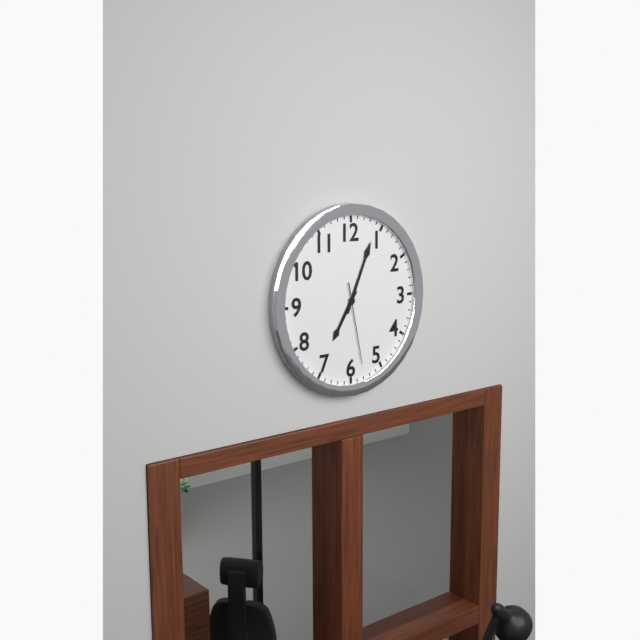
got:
7:04:28
